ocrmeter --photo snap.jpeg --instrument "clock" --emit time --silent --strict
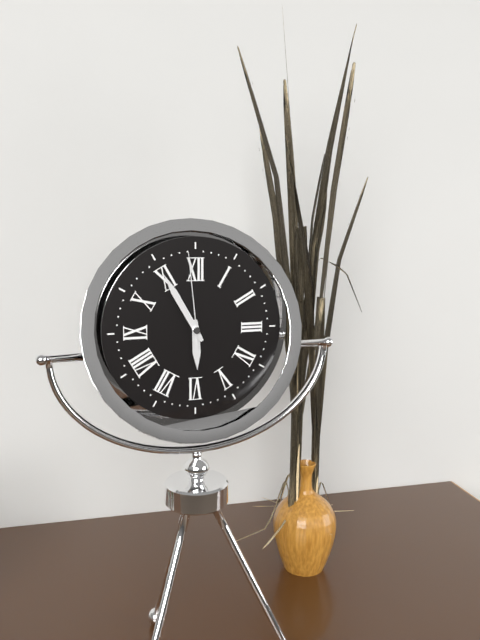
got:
5:55:59
